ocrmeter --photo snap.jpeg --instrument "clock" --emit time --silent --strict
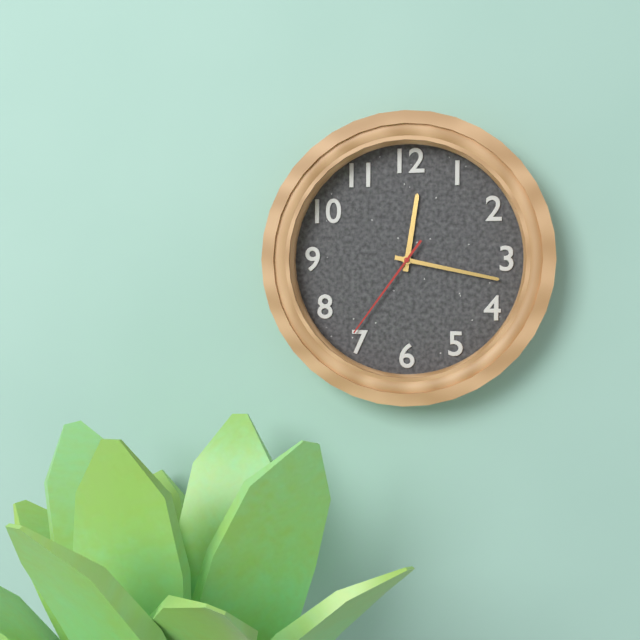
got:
12:17:36
